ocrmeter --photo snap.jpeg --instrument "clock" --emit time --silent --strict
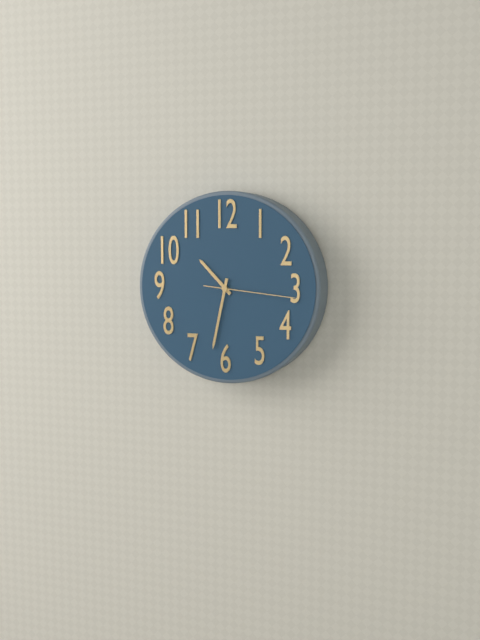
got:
10:32:16
